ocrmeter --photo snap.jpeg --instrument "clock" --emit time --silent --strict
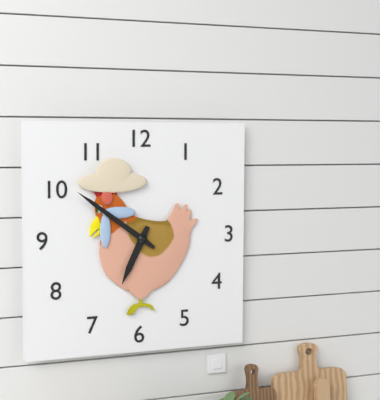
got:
6:51
